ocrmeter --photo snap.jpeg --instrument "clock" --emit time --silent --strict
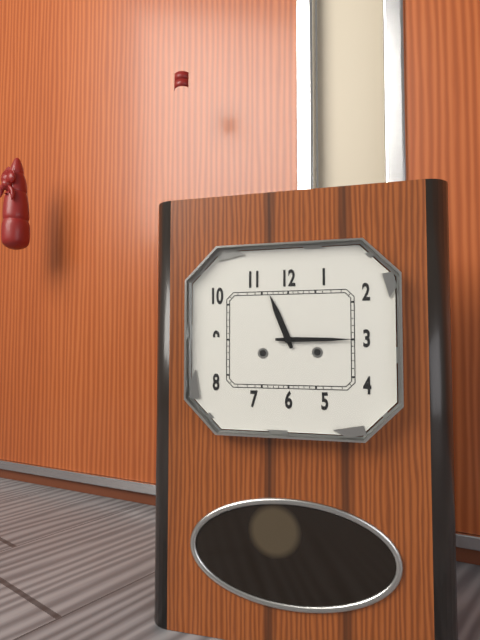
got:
11:15
